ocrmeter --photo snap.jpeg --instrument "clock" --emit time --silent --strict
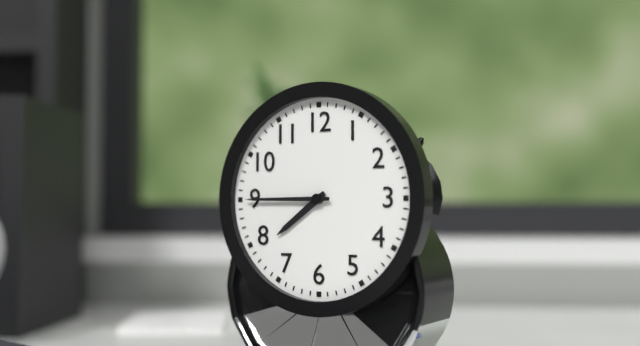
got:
7:45
